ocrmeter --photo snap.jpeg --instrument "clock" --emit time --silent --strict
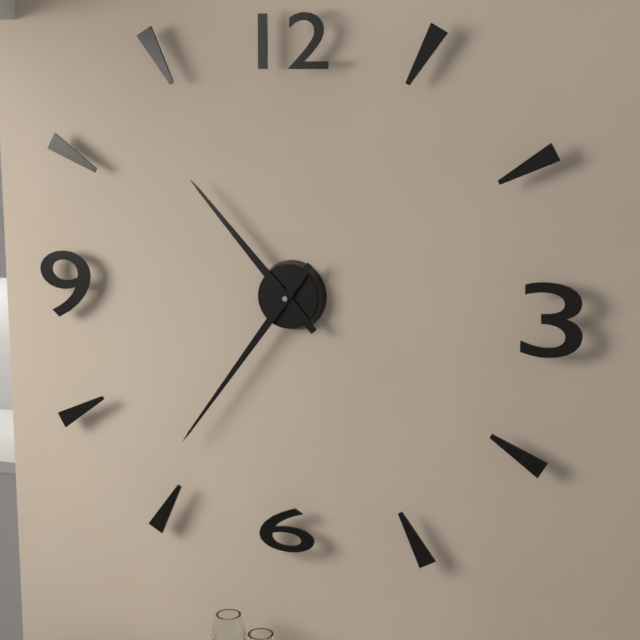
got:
10:36
